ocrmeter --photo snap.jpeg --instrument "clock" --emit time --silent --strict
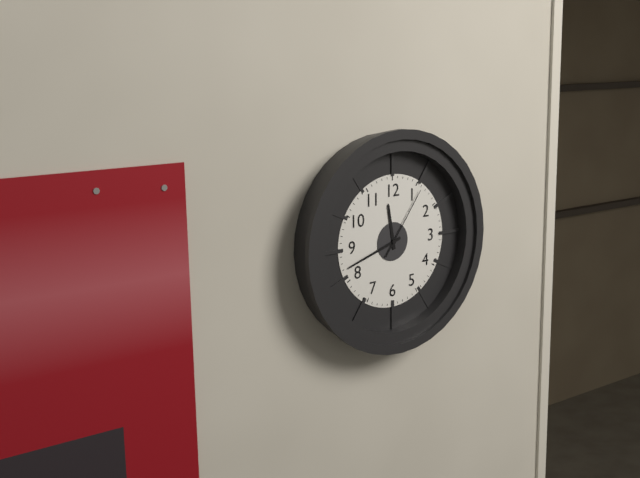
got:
11:42:06
